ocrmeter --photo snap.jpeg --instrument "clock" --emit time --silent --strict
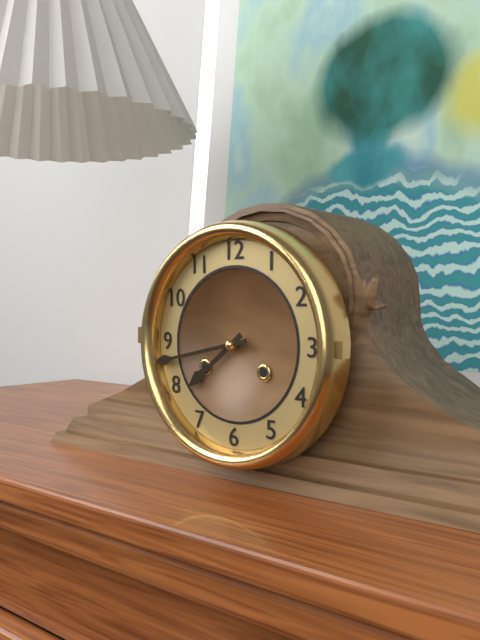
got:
7:43
